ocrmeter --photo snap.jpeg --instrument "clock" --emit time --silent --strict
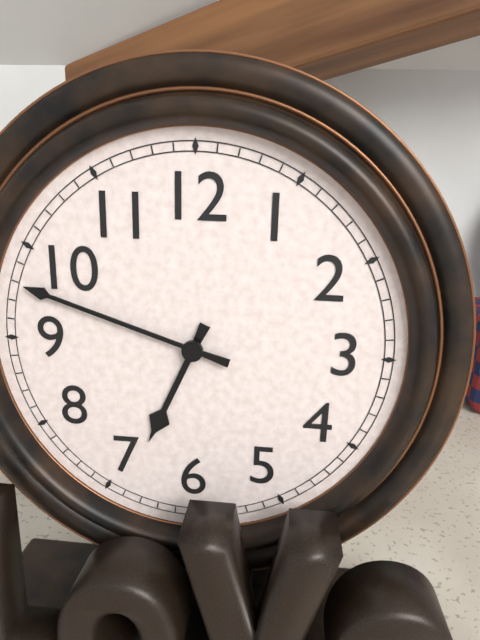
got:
6:48
